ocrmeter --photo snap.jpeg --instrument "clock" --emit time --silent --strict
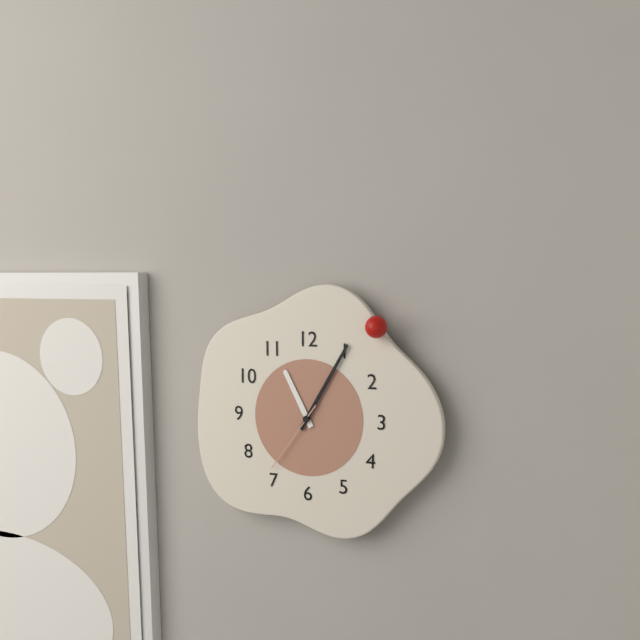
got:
11:05:36
